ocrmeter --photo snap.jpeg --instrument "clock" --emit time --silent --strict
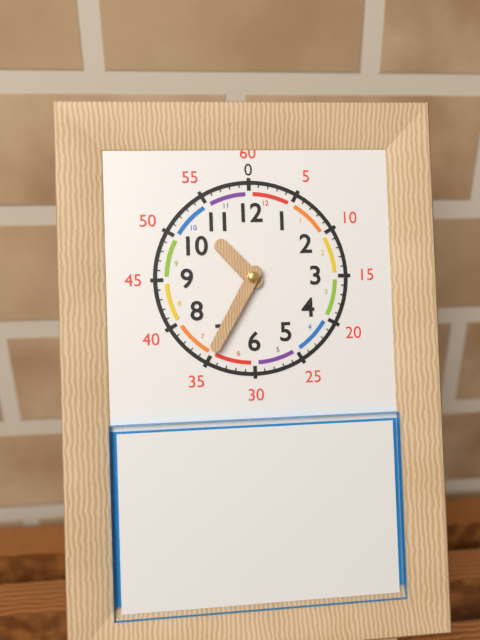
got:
10:35
